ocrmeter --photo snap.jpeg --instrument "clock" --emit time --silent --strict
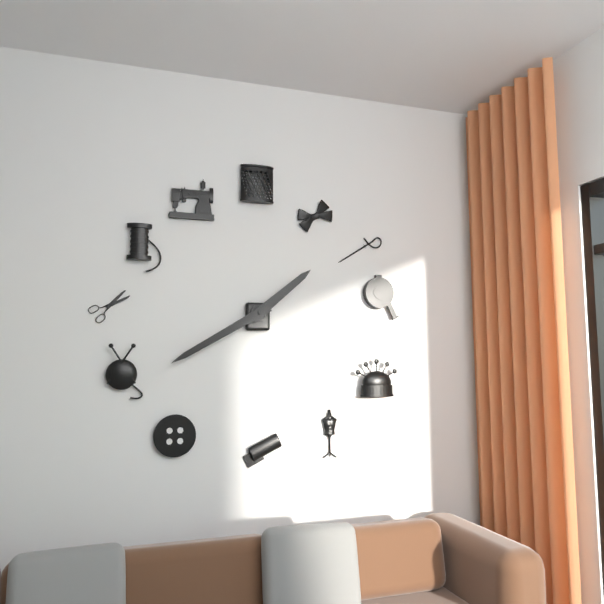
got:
1:40
